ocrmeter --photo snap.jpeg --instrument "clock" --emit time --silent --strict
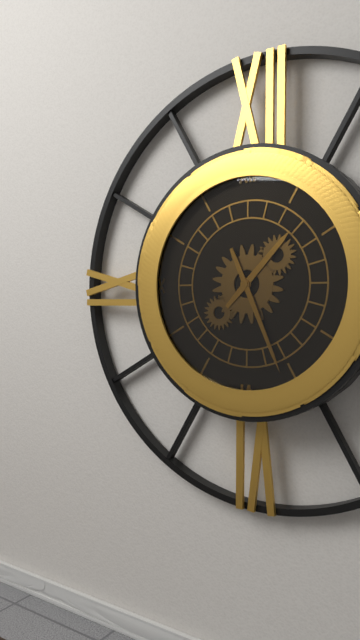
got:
1:26
